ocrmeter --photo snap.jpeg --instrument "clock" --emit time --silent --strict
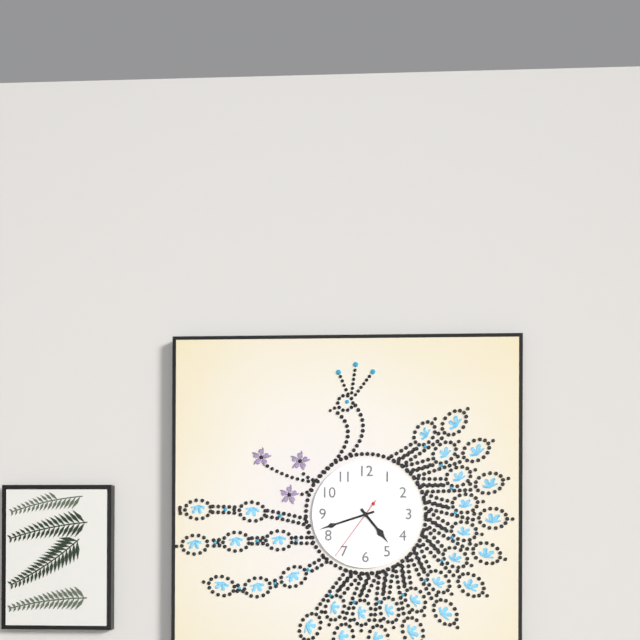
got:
4:42:36
